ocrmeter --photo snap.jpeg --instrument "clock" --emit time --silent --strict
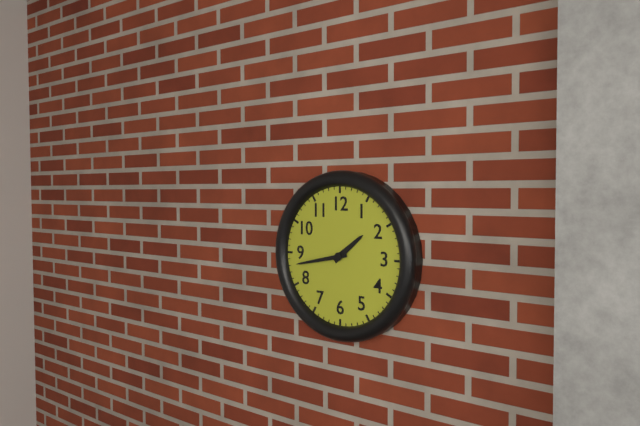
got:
1:43
